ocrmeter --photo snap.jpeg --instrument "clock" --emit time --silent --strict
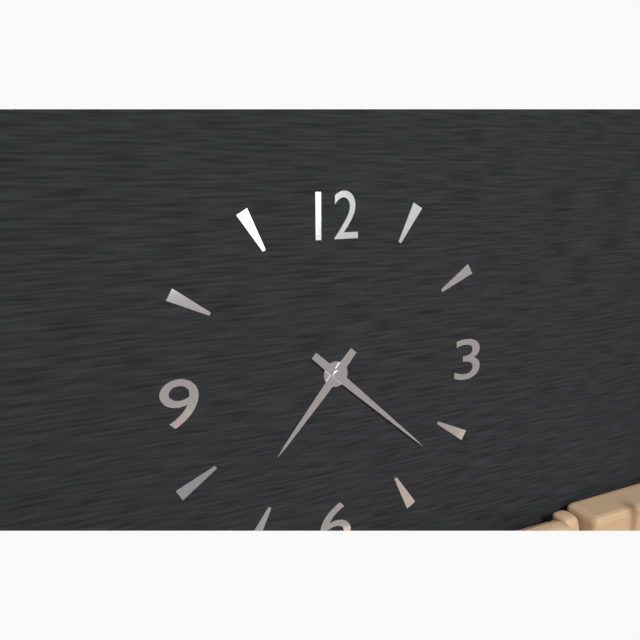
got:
7:22
